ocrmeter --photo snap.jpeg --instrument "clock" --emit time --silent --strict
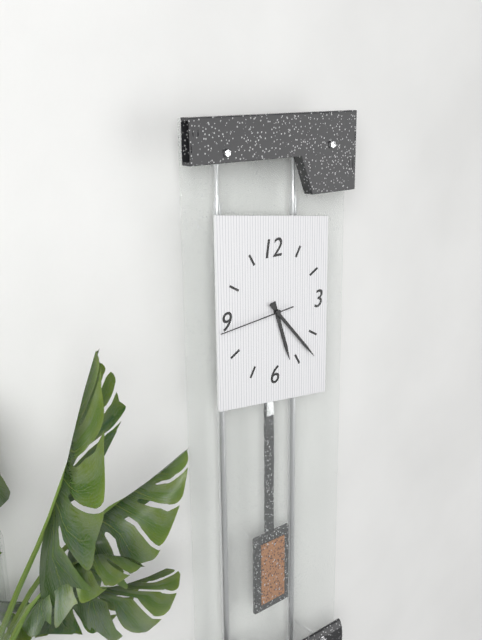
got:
5:23:44
